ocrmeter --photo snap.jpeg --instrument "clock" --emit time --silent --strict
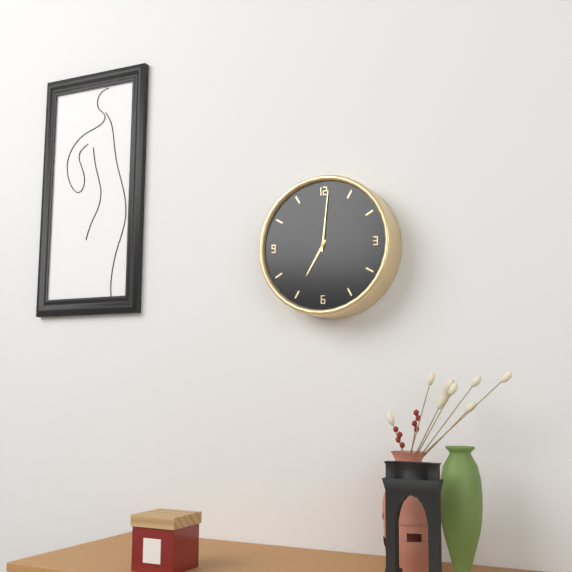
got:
7:01
